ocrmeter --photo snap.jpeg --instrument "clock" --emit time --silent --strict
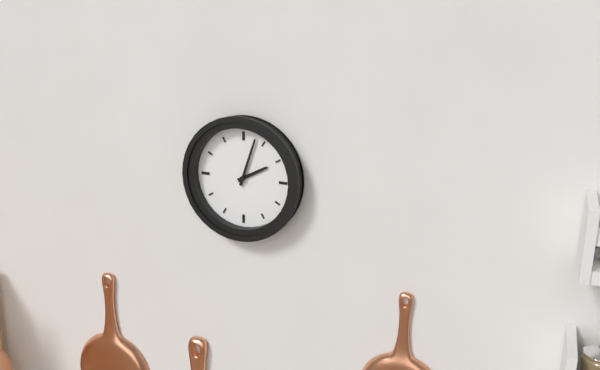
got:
2:03
